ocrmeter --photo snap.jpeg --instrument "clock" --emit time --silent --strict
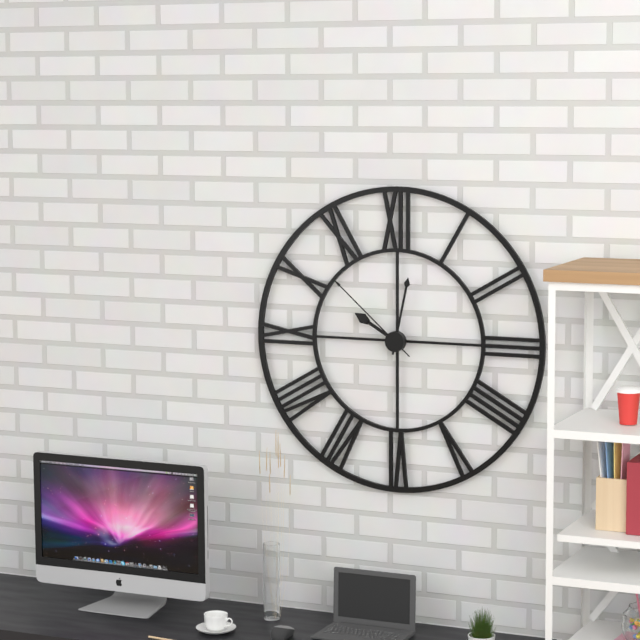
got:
10:02:52
